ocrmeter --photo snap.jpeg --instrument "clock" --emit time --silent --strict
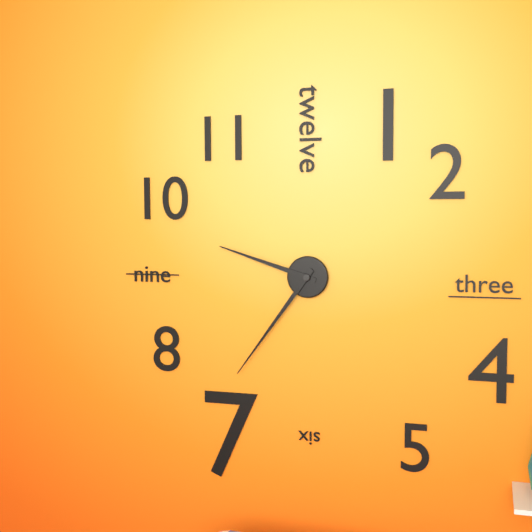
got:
9:36
